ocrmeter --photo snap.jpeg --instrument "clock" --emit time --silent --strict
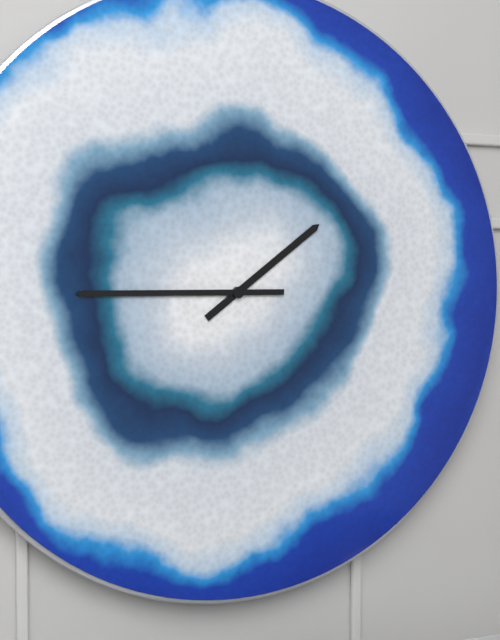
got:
1:45
